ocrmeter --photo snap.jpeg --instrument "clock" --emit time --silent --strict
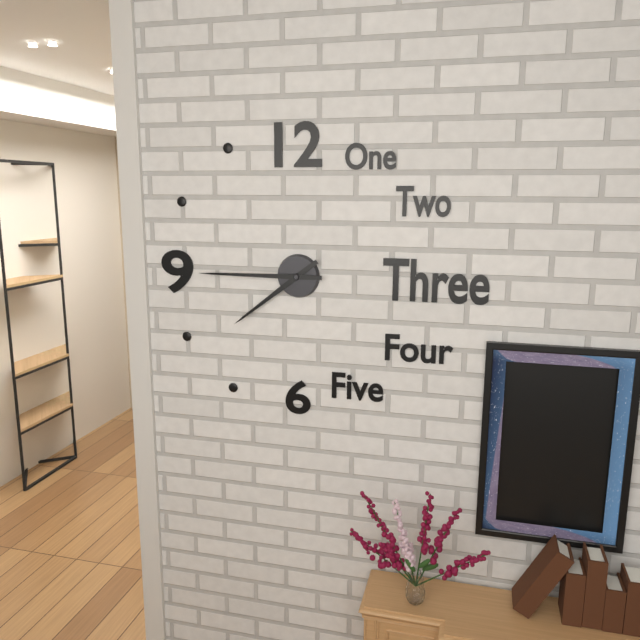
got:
7:45
